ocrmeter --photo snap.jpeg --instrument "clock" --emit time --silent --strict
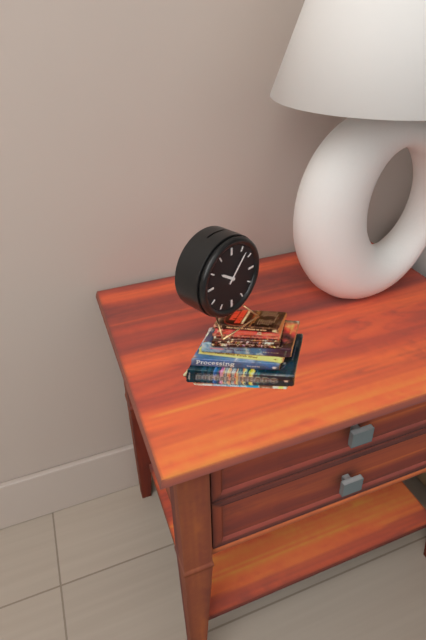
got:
10:07
